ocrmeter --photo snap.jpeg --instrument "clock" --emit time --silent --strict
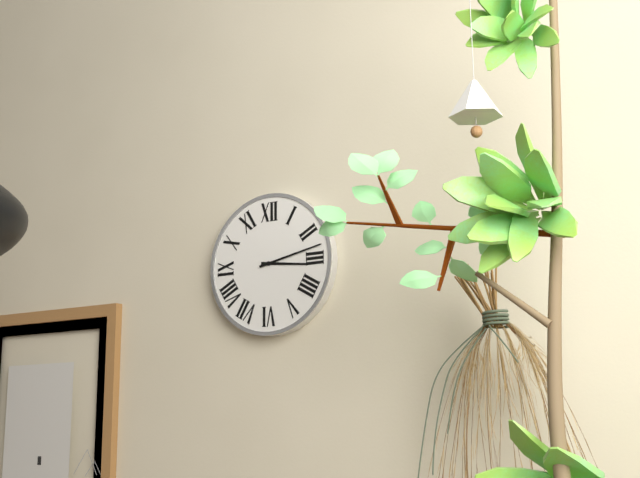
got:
3:13
